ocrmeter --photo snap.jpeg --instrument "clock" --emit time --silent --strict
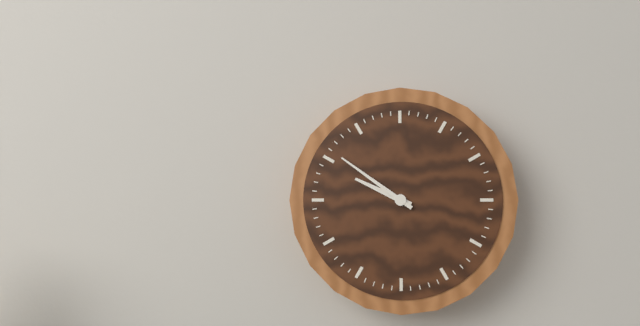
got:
9:51
